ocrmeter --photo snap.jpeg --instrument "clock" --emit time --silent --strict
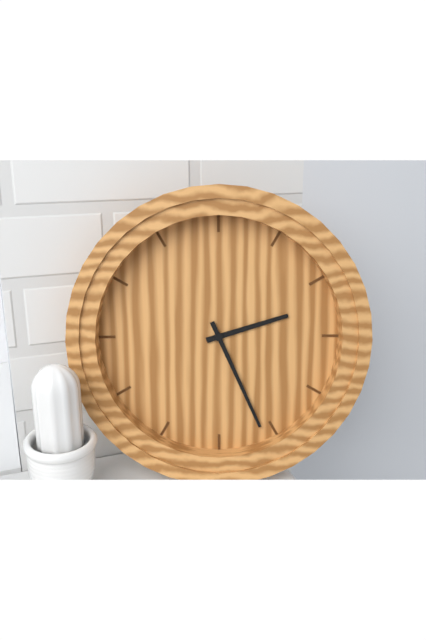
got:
2:26
